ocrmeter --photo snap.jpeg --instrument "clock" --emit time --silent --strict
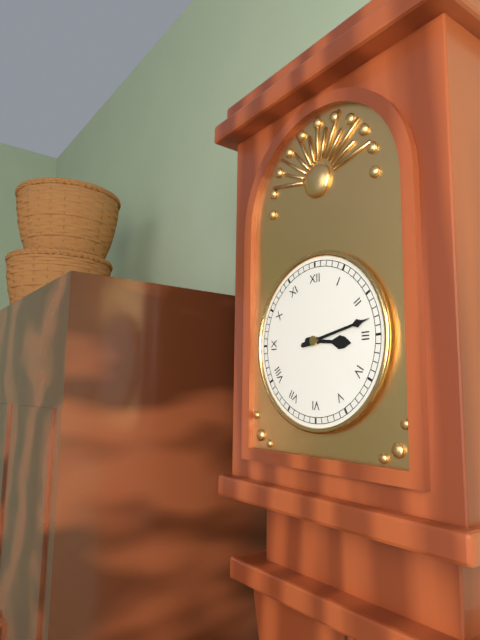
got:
3:13
